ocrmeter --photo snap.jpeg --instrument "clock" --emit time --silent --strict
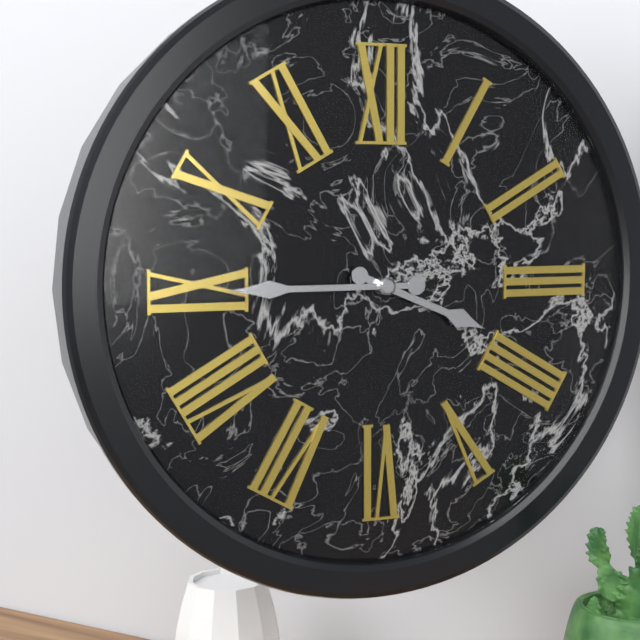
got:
3:45
